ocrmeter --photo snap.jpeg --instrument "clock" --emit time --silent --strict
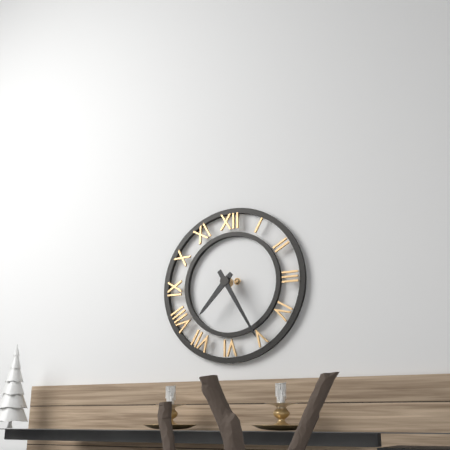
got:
7:25
